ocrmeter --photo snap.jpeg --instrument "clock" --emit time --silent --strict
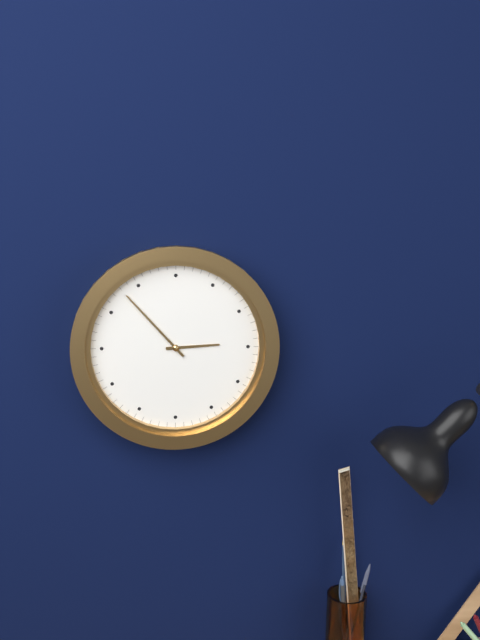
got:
2:53
